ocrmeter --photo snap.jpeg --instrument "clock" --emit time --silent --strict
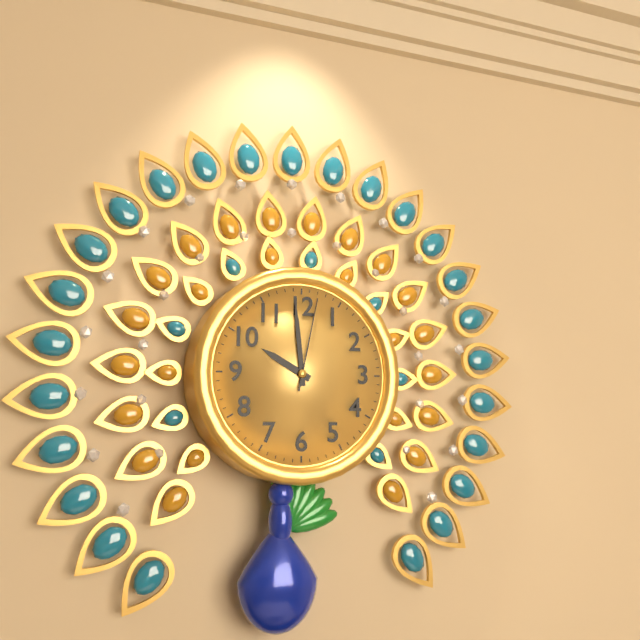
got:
9:59:02
